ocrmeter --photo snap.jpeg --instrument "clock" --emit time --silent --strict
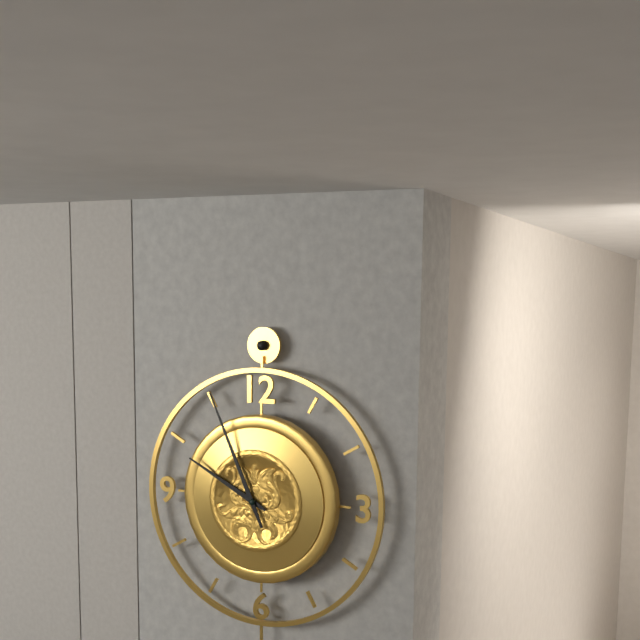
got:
9:56
